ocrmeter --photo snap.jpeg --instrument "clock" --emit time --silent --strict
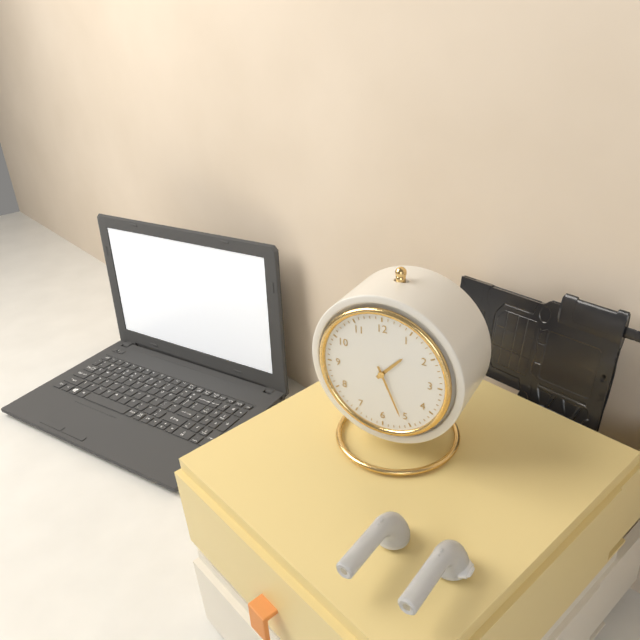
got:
1:26
